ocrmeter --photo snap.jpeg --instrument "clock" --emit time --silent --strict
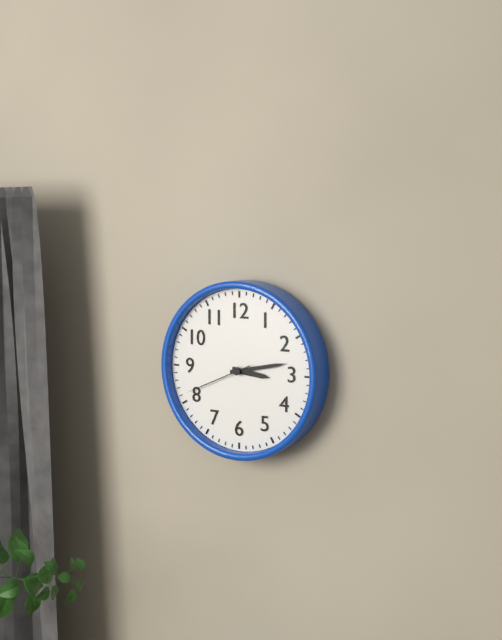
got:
3:13:41
